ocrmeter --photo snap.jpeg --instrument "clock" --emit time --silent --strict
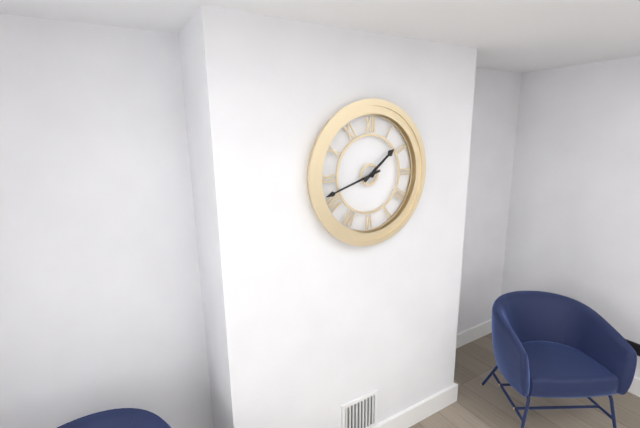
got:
1:42
